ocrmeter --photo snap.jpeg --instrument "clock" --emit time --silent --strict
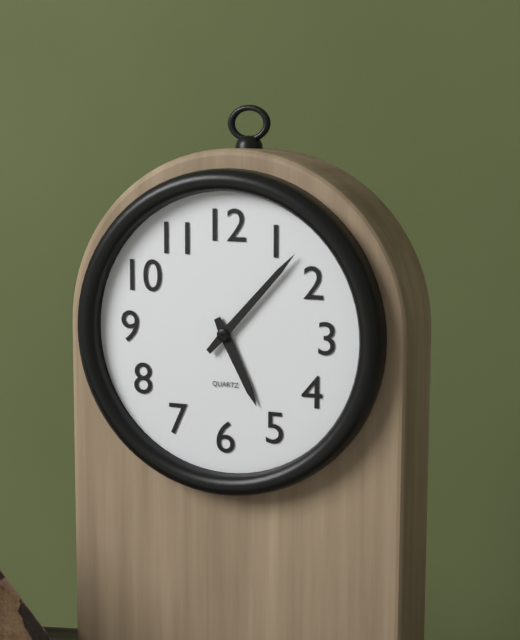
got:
5:07
